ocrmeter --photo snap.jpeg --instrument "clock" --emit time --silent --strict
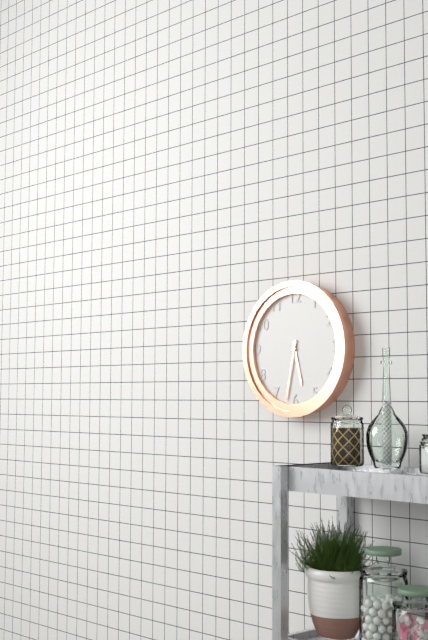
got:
5:32
